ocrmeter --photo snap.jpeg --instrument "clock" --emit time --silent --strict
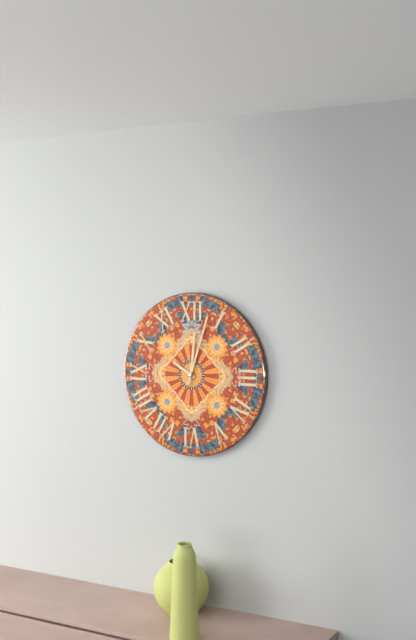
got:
10:01:03
